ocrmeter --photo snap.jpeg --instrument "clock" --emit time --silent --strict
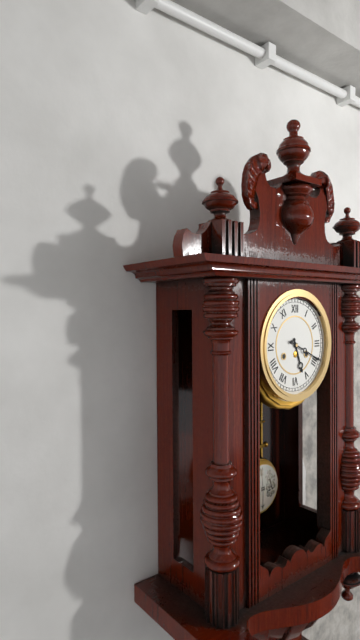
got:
5:19
